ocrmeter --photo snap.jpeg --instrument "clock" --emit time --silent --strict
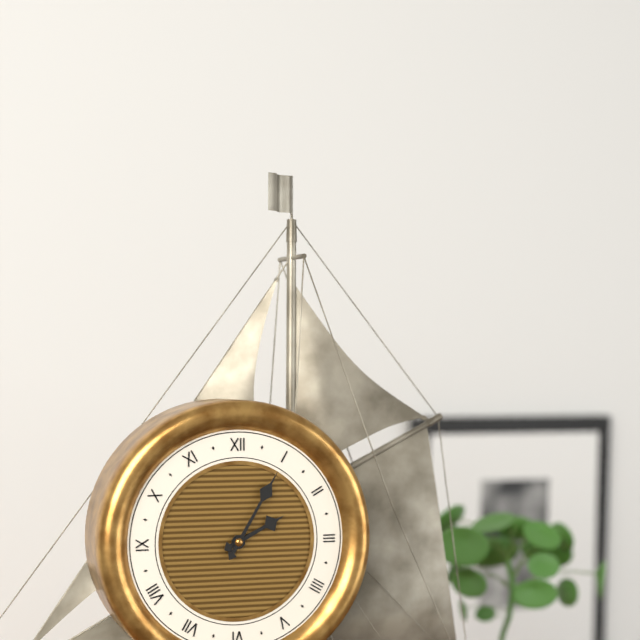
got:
2:05
